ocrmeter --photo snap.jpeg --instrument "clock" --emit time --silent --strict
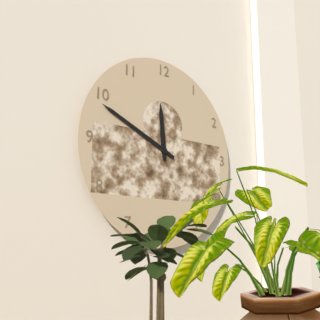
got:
11:49
